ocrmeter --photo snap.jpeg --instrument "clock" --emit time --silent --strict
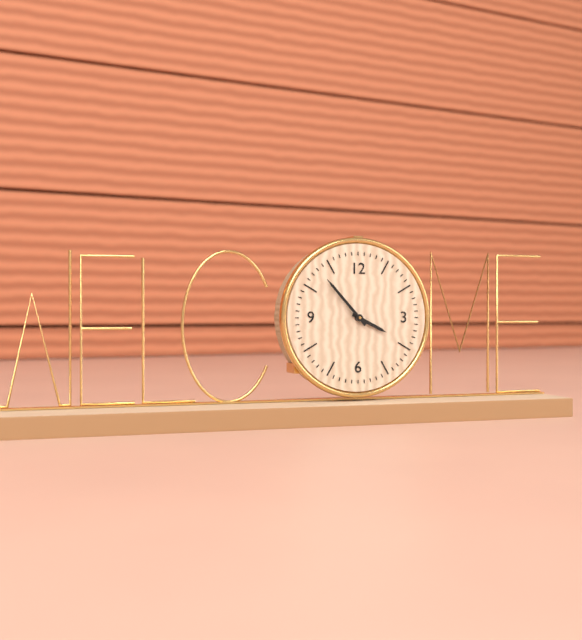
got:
3:53
